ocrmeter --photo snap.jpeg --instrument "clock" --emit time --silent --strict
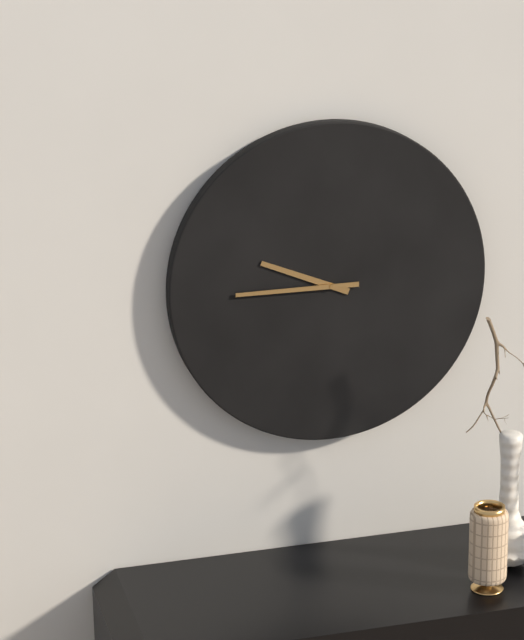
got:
9:45
